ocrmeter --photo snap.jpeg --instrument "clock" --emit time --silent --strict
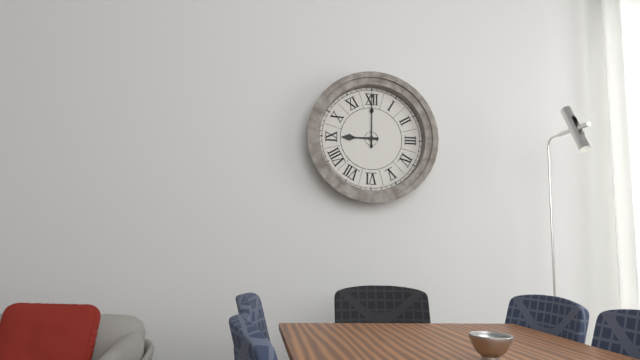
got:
9:00
